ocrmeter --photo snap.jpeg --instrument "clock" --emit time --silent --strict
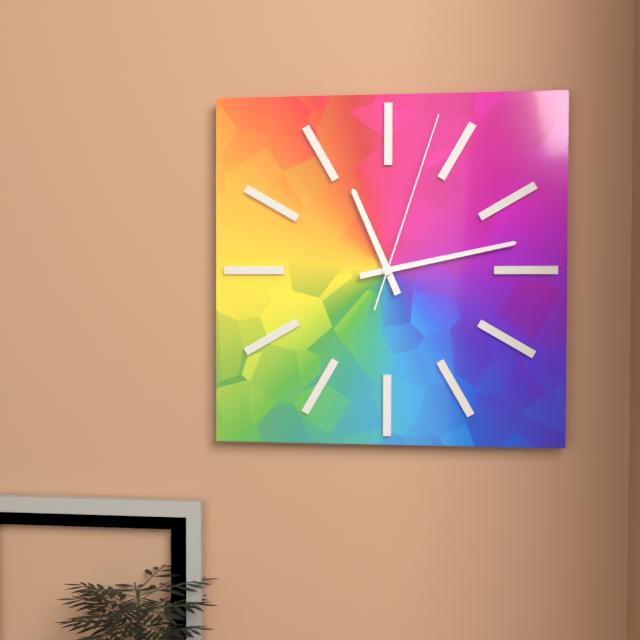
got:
11:13:03
